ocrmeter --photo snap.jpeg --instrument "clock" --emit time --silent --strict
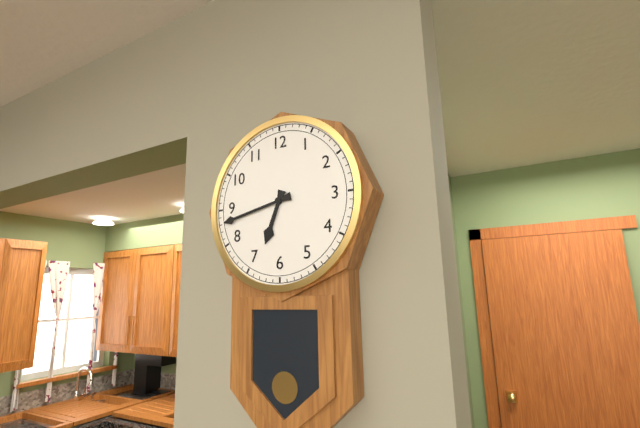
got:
6:43
